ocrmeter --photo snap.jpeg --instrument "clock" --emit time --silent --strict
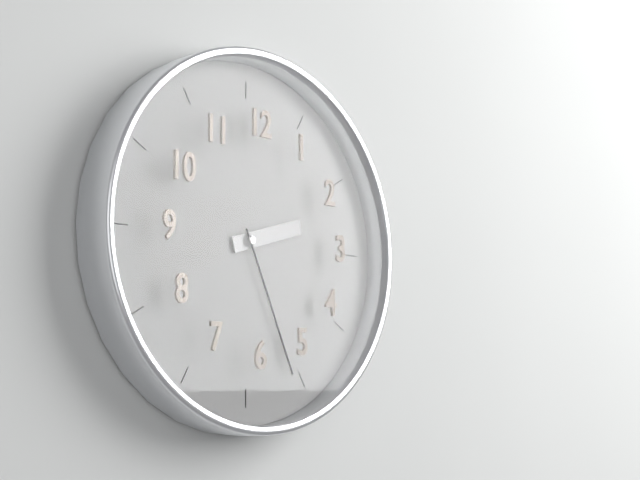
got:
2:26
